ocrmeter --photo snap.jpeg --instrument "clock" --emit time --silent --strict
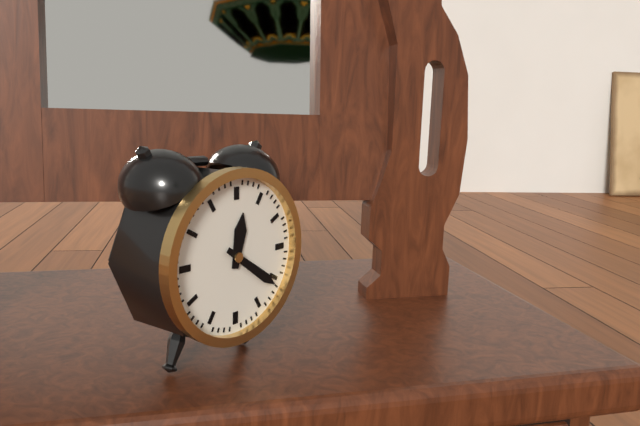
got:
12:21
